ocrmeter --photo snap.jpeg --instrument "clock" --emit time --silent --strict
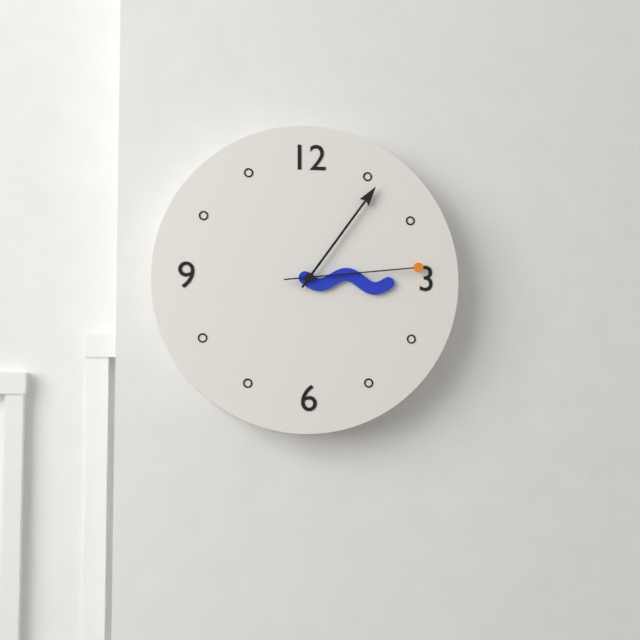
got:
3:06:14
